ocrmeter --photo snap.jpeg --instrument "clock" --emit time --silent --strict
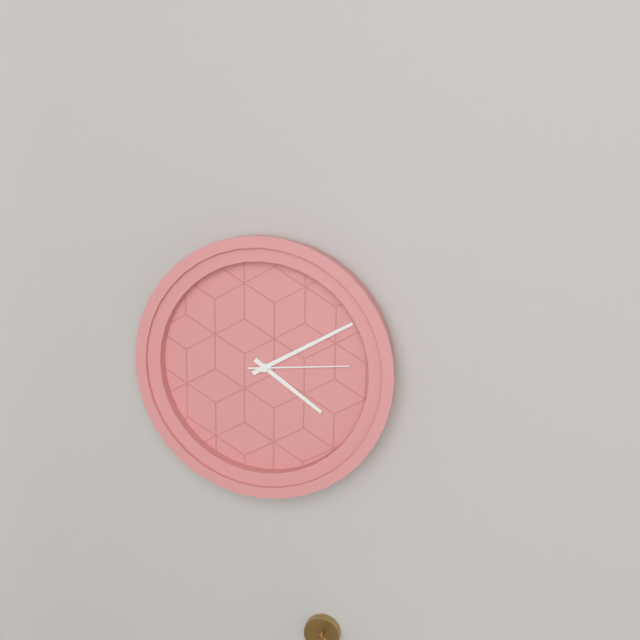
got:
4:10:14
